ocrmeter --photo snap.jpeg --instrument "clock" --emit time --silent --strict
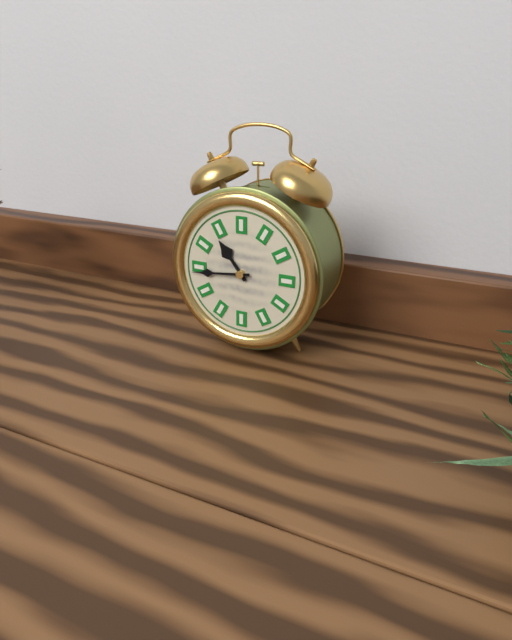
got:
10:44
